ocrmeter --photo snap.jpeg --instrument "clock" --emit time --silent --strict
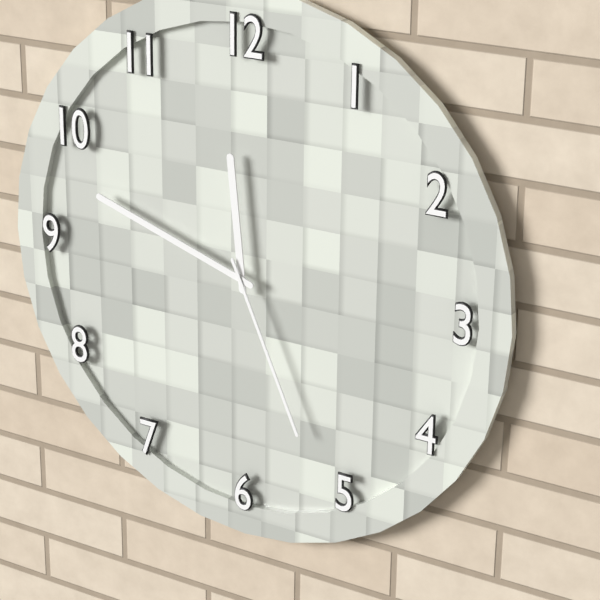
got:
11:48:26
